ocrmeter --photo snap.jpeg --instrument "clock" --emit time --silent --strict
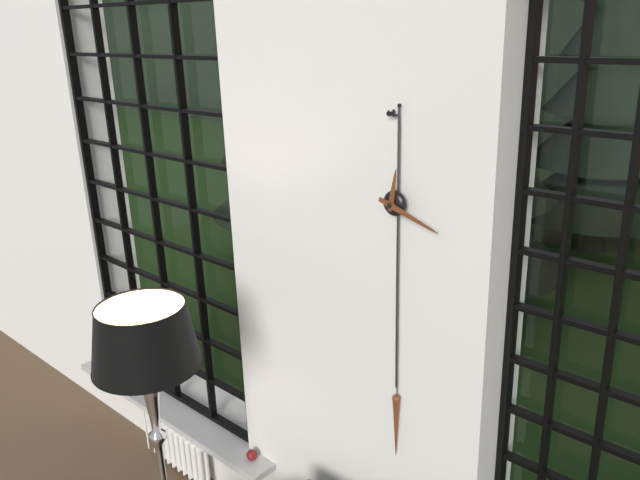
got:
12:18
